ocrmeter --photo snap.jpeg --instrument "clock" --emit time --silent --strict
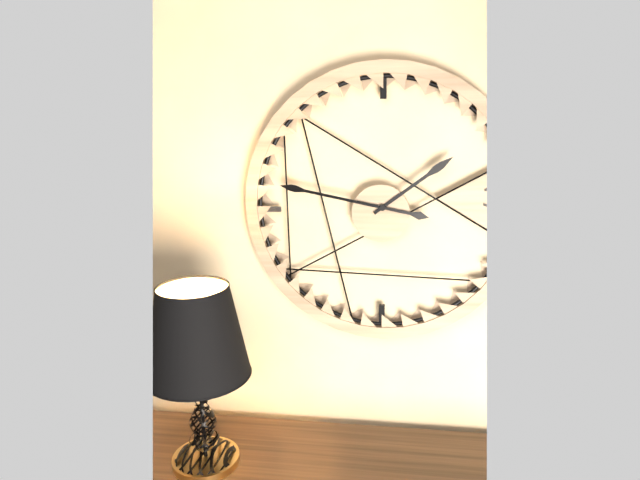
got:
1:47
